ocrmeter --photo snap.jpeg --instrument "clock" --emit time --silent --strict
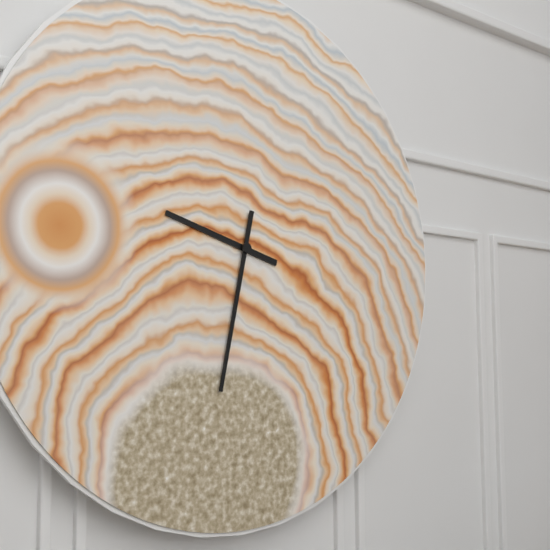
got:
9:32
